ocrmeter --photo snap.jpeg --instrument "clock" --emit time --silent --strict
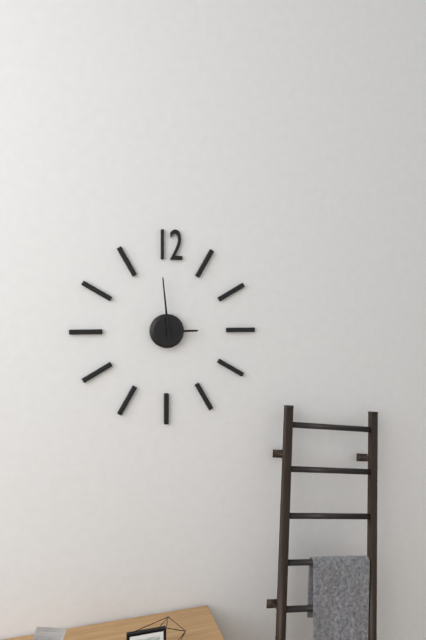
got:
2:59
